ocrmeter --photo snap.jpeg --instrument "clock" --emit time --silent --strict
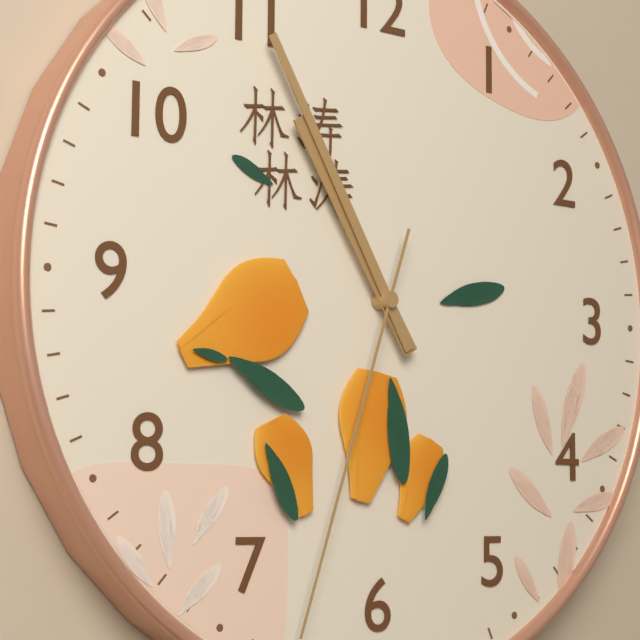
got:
10:55:33
